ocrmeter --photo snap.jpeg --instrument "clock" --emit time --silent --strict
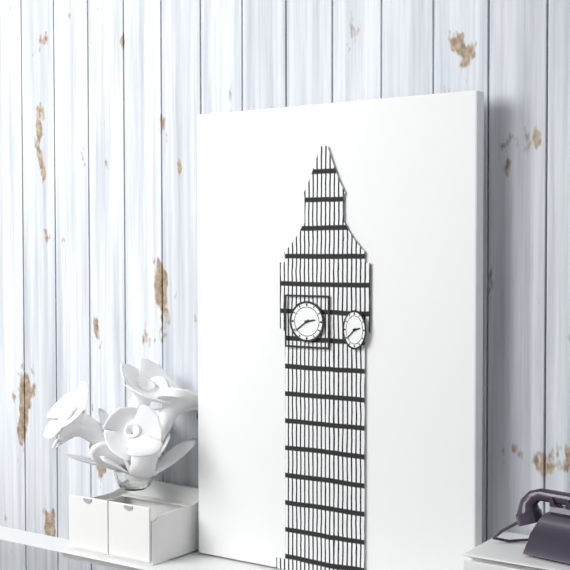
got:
2:39
